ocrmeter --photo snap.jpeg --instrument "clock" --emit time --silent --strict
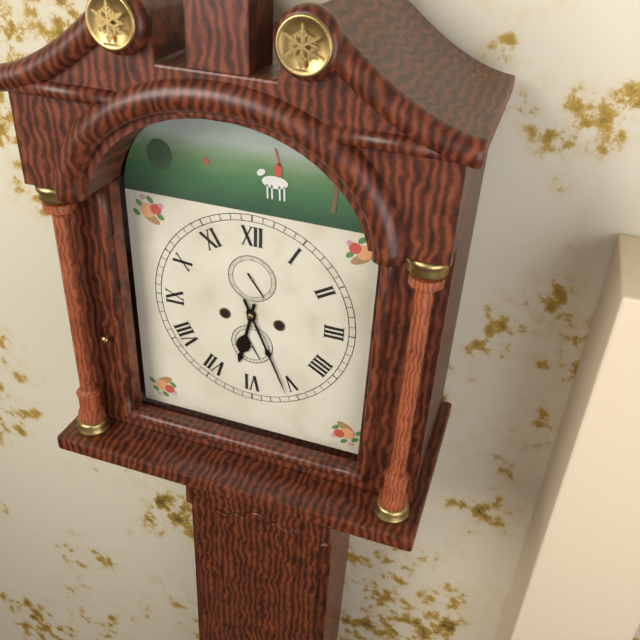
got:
6:26
